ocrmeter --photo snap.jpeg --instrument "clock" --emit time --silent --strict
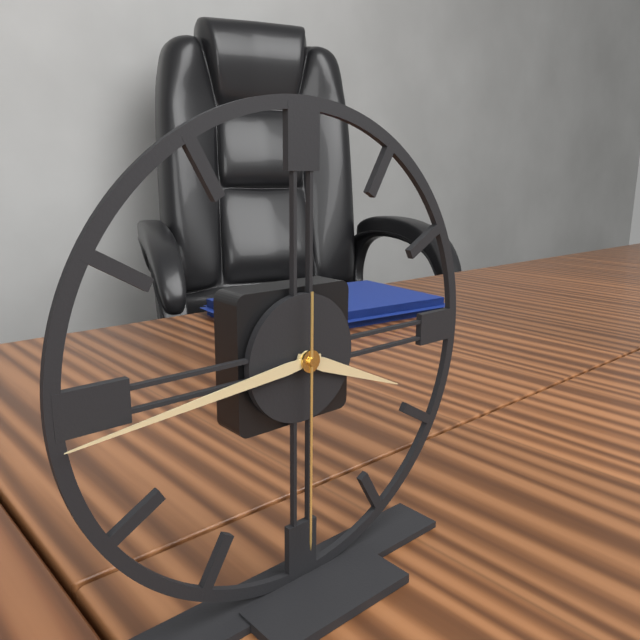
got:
3:44:30
